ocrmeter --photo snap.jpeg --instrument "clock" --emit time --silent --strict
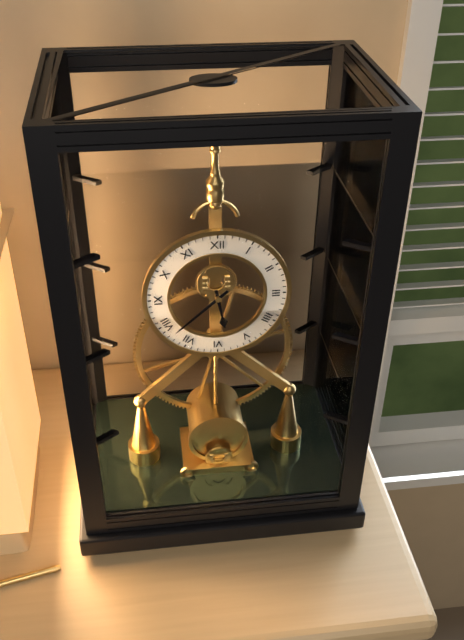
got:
5:38
